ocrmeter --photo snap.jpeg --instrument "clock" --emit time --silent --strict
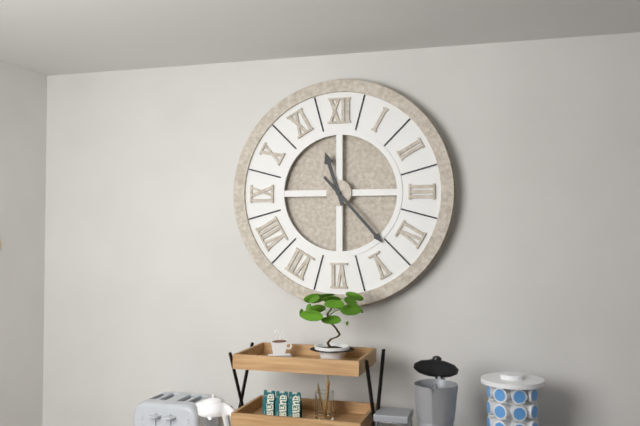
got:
11:23
